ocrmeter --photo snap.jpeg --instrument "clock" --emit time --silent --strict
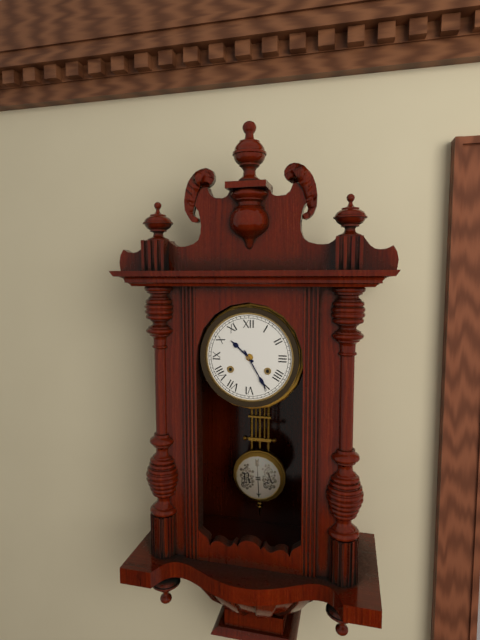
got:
10:25
